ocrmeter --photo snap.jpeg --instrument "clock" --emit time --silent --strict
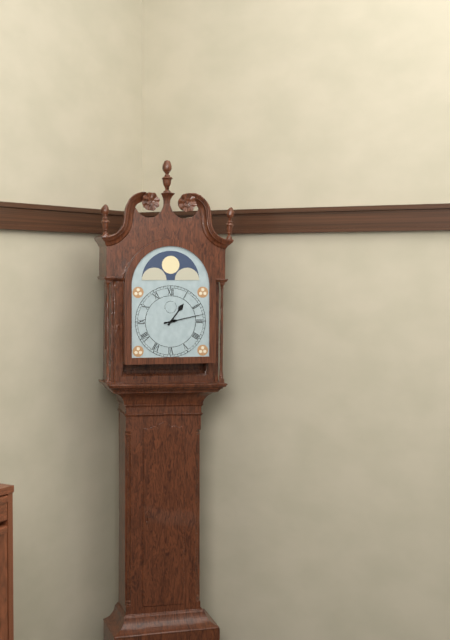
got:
1:13
